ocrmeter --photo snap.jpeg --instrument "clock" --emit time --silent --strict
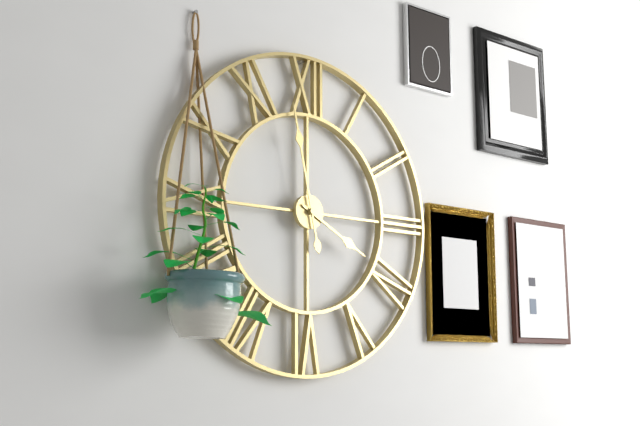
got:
3:58
